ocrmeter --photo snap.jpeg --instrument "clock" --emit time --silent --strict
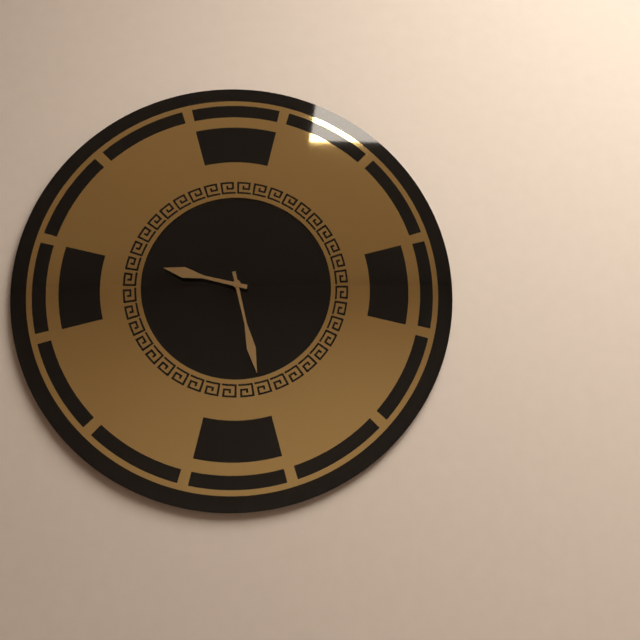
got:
9:28
